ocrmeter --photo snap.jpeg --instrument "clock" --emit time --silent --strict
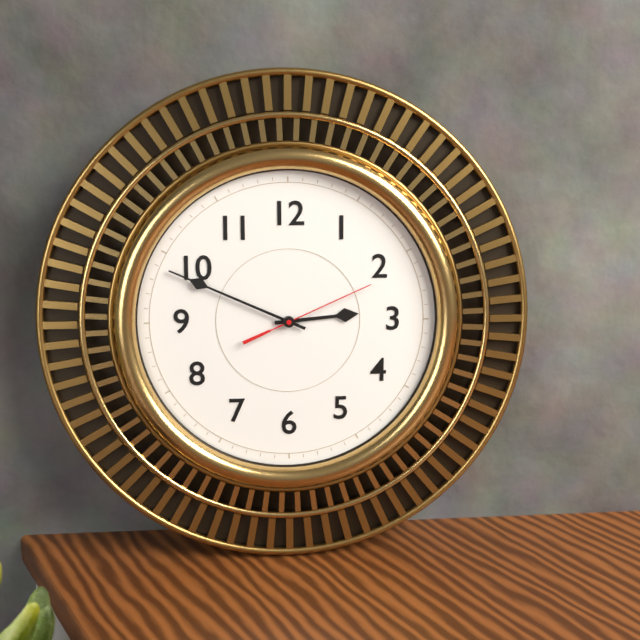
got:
2:49:11
